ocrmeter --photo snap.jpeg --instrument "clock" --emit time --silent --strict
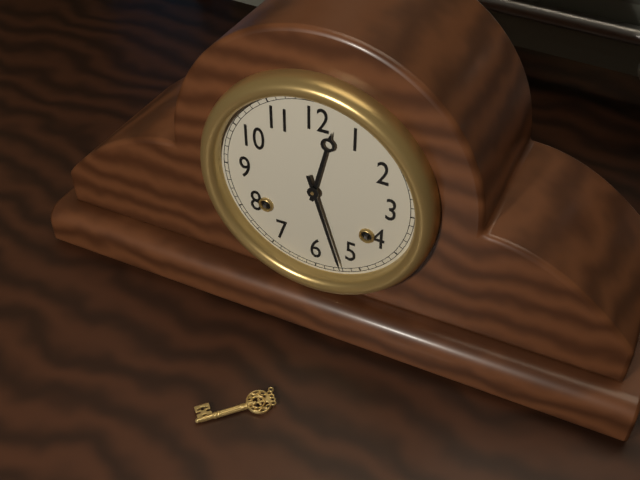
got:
12:27
